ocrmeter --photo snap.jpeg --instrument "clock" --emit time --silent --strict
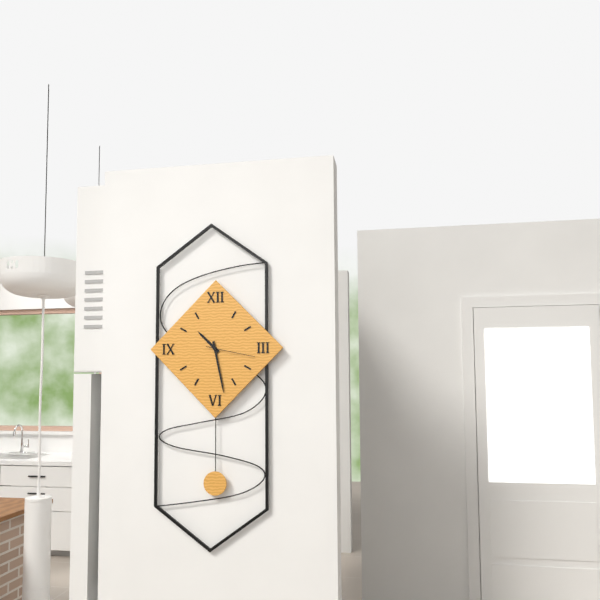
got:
10:28
